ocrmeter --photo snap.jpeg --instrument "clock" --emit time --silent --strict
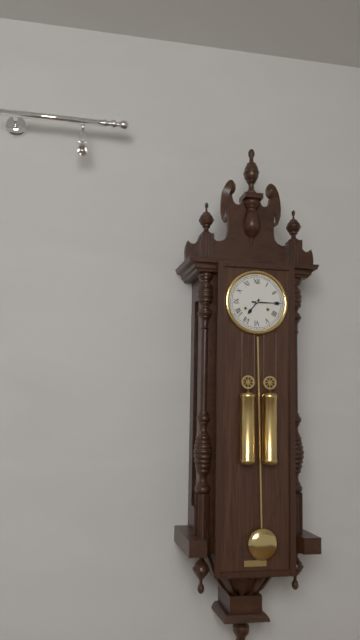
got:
7:15
